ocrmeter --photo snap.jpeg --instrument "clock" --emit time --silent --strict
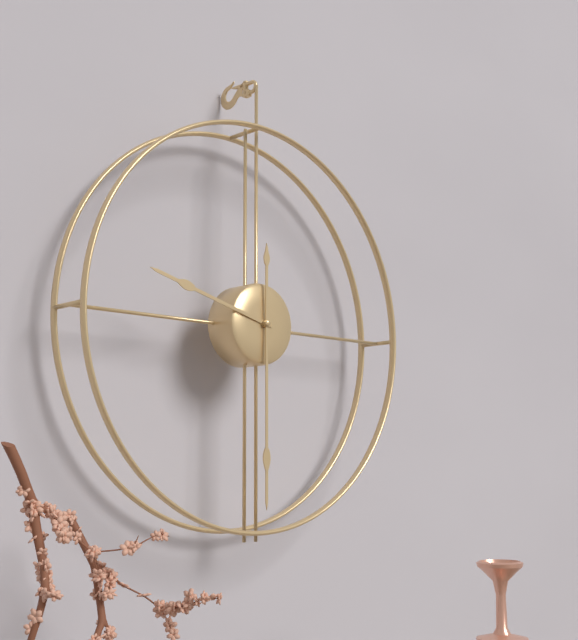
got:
9:30
